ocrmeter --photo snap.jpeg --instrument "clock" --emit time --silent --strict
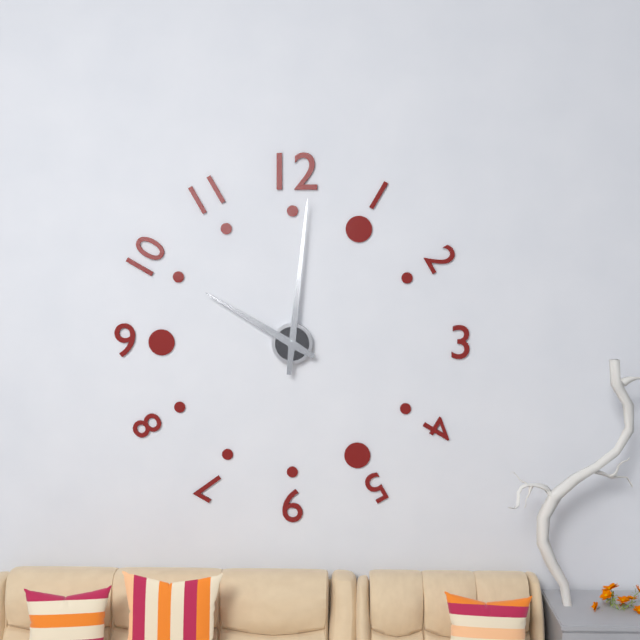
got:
10:01
